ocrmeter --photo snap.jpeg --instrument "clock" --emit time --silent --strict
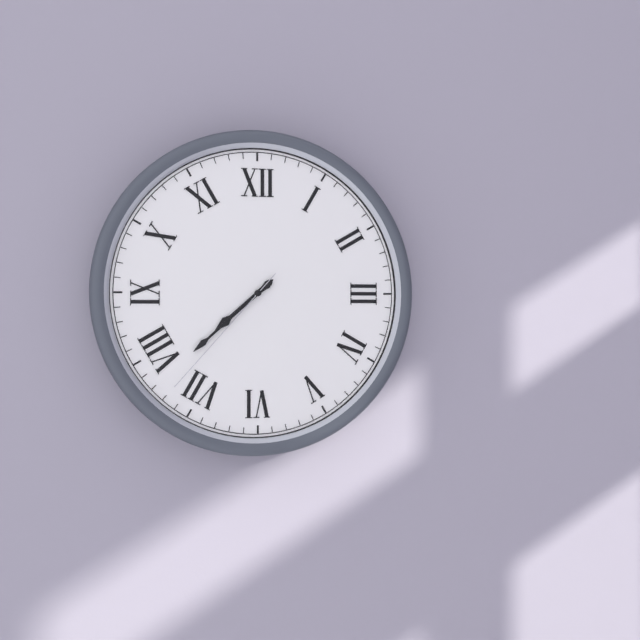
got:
7:38:37
